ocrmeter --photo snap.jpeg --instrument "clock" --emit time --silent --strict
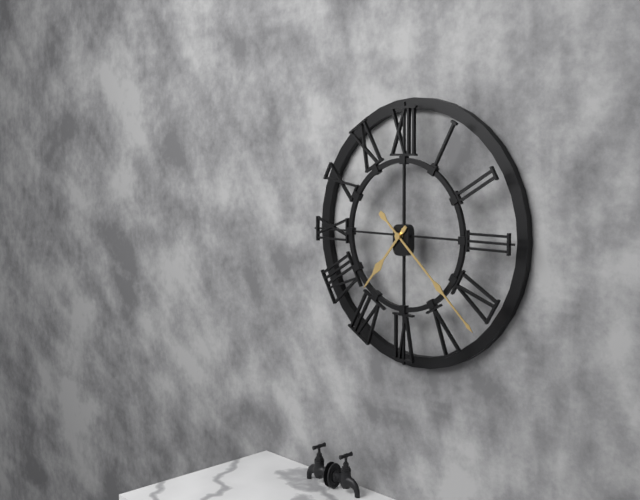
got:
7:22
